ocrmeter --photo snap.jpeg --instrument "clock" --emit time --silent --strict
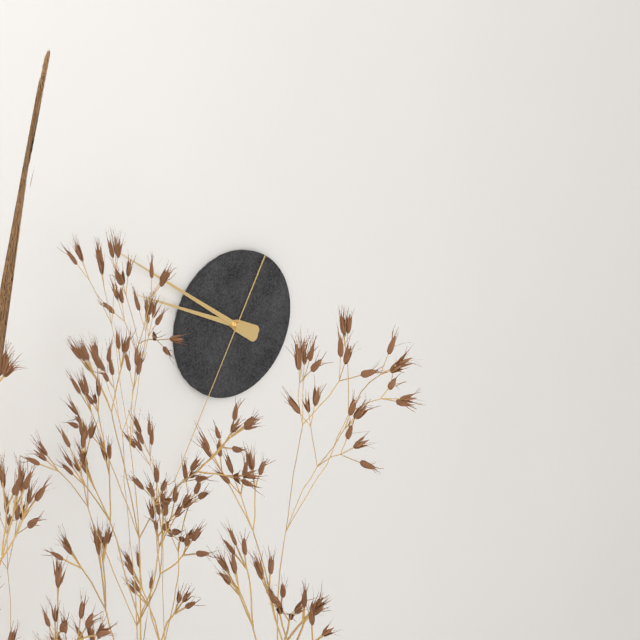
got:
9:51:35
